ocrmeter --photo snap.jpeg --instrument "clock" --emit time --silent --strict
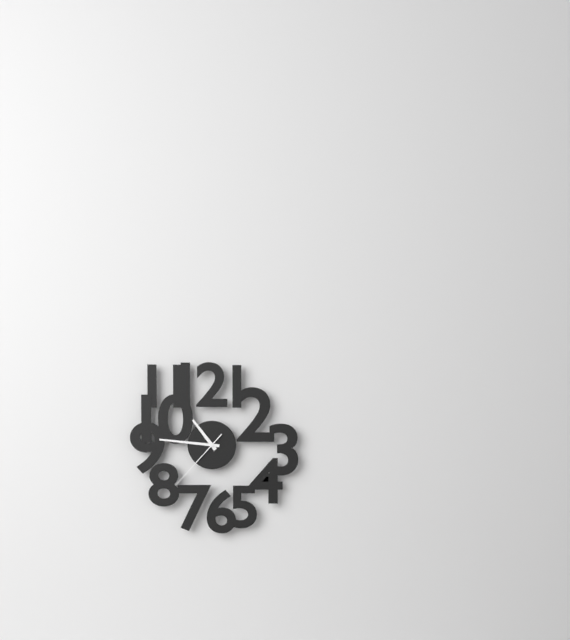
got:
10:46:37
